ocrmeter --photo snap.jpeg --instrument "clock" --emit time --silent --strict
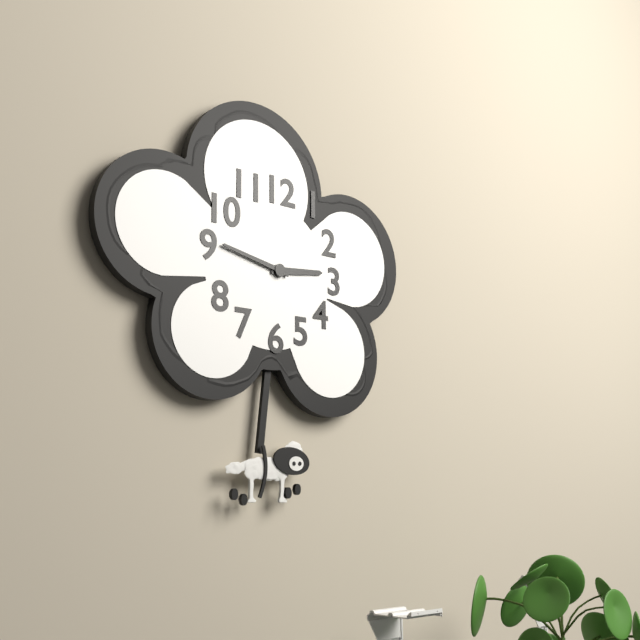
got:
2:47
